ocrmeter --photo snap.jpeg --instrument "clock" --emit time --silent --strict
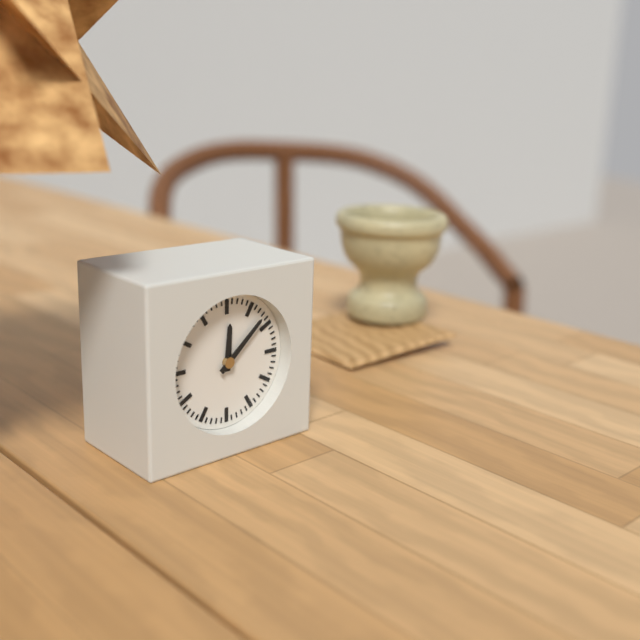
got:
12:08
